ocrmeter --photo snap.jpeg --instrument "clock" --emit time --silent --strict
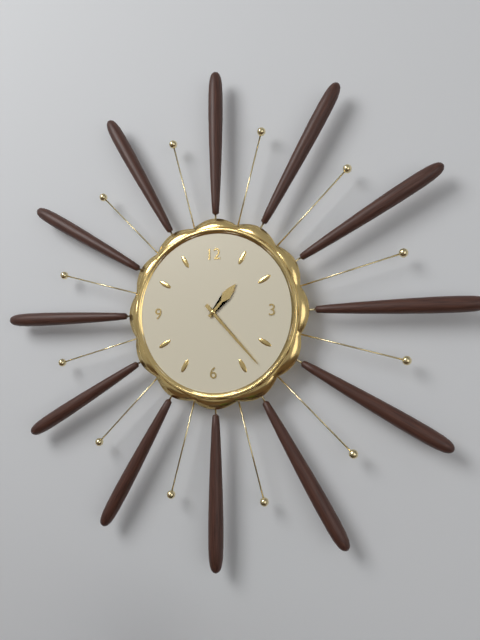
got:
1:23
